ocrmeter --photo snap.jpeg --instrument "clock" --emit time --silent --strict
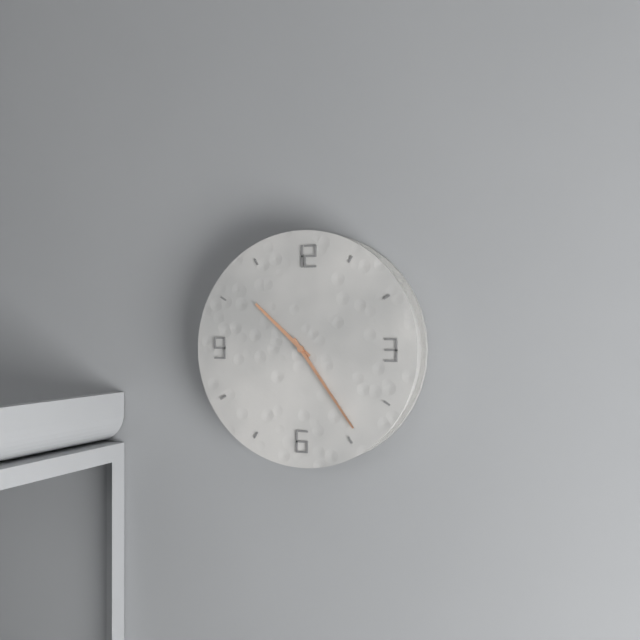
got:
10:24
